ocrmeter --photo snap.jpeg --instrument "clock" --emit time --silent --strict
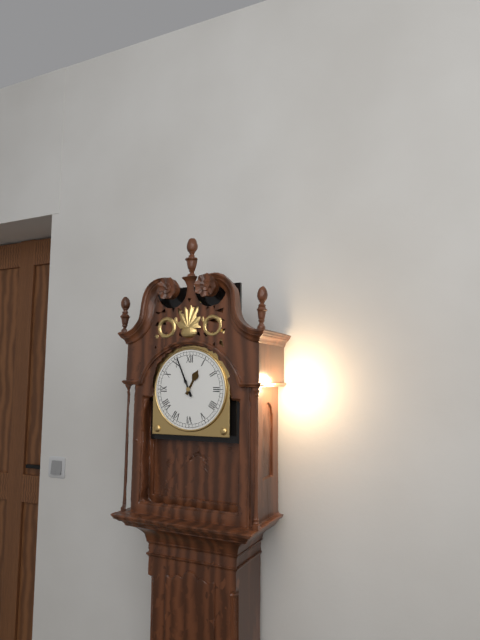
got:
12:56
